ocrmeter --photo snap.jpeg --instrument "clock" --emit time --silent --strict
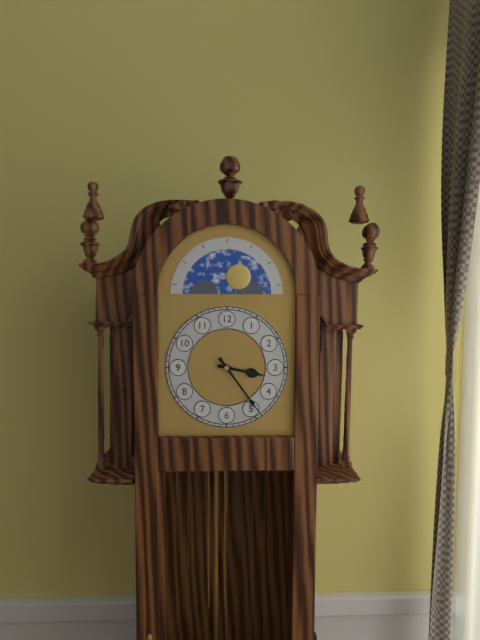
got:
3:24
